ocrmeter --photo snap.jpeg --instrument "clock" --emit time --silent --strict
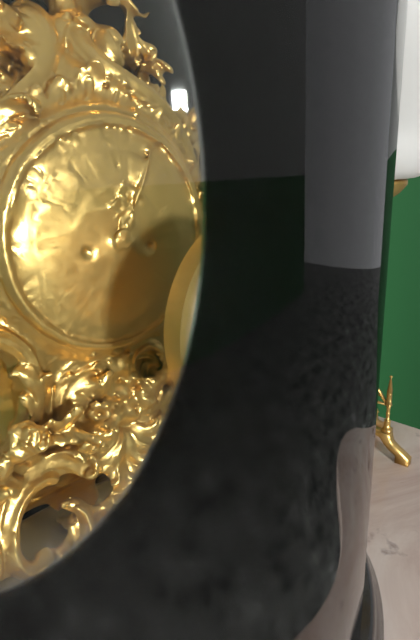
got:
7:03
